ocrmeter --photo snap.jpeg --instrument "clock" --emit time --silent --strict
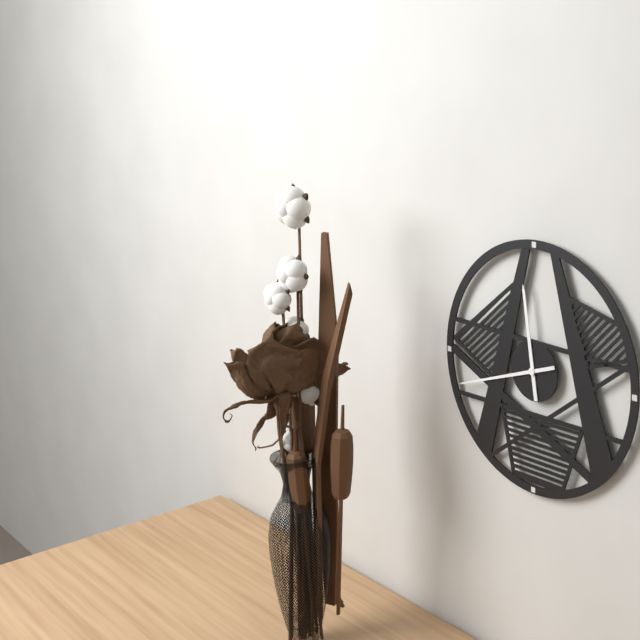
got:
11:42
